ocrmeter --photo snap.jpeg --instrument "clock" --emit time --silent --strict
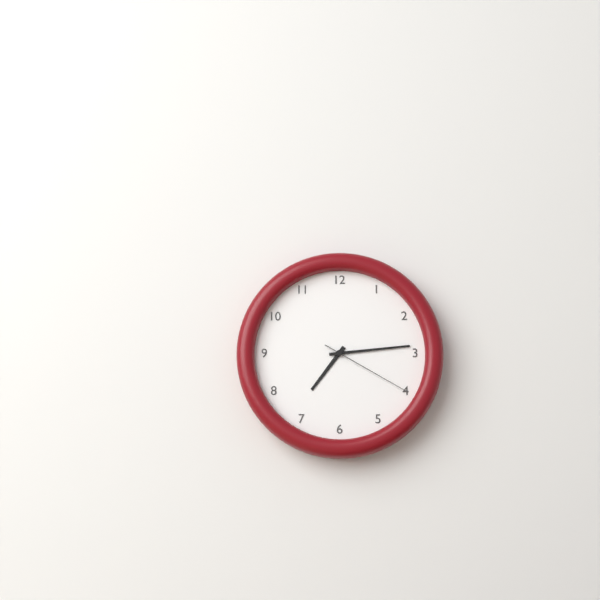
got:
7:14:20
